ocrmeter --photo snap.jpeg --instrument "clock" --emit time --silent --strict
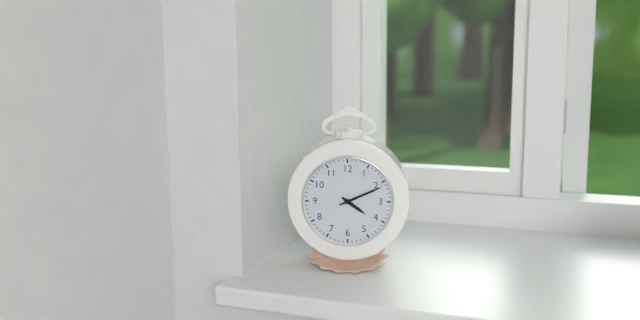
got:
4:11
